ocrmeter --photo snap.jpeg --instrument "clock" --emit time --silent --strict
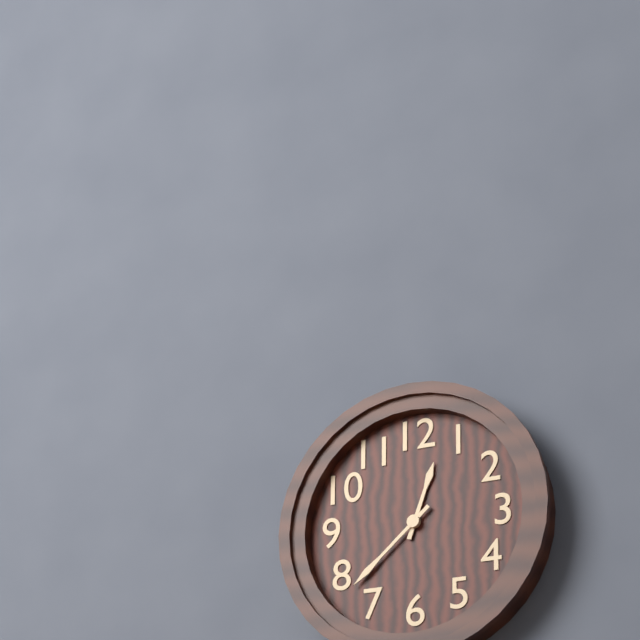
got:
12:38
